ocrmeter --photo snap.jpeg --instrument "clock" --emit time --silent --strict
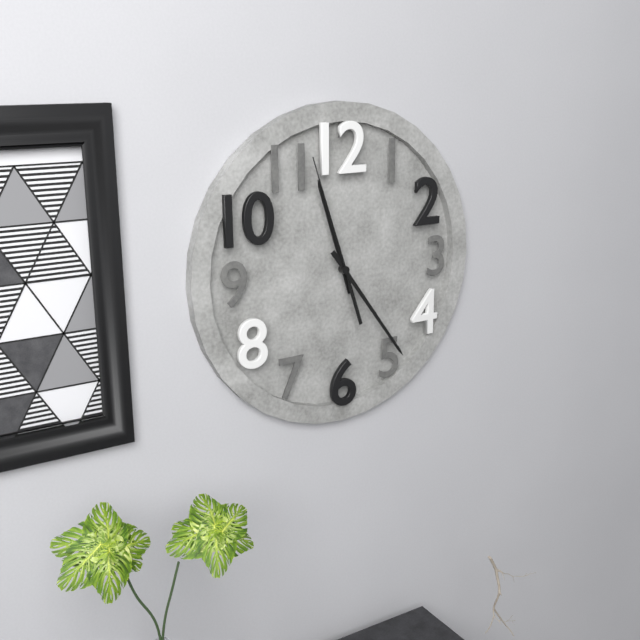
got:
11:24:57
